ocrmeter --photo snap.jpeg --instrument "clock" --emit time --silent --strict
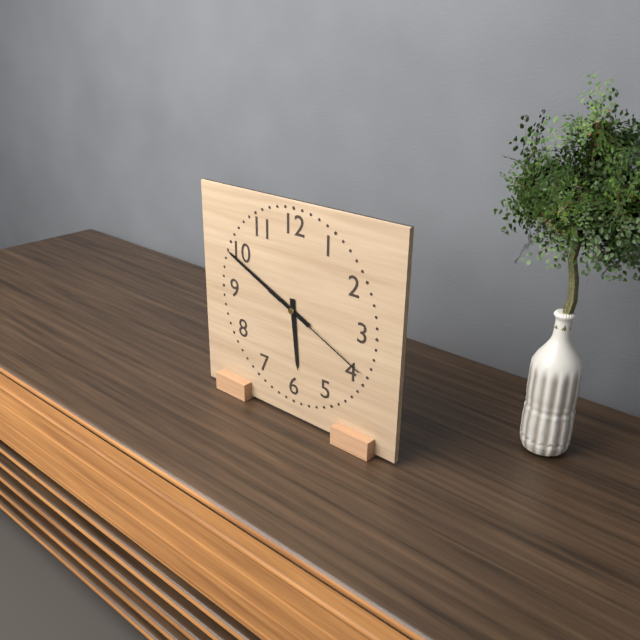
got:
5:49:19
